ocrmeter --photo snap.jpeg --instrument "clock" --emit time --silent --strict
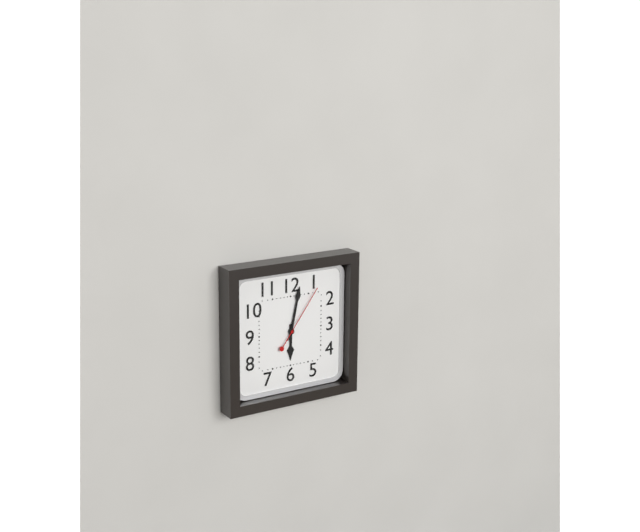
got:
6:02:06
